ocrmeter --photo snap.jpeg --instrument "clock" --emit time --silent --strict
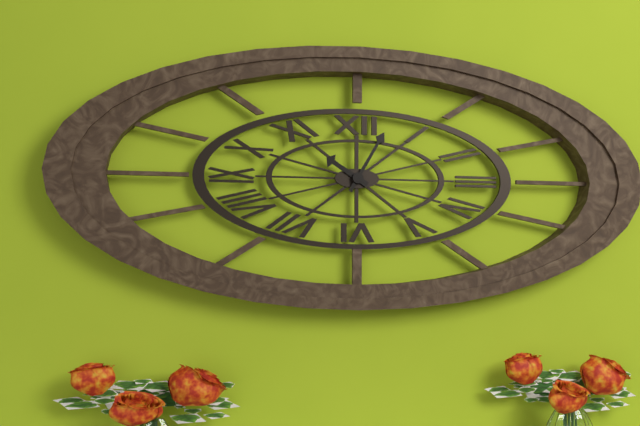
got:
10:05
